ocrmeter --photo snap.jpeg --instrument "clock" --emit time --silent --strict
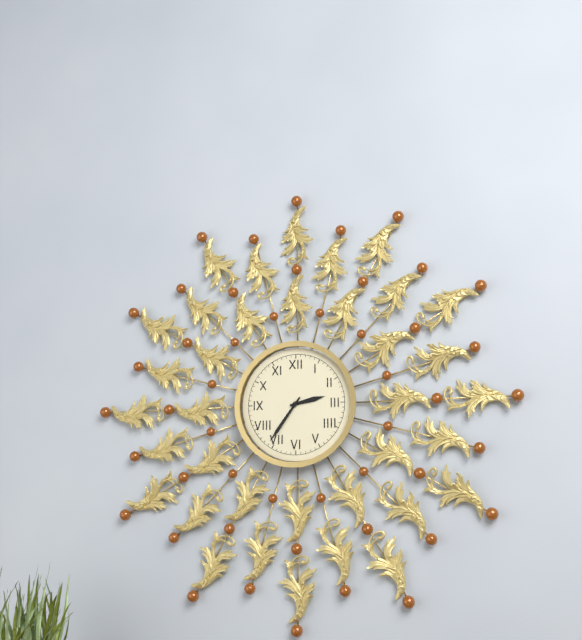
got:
2:36
